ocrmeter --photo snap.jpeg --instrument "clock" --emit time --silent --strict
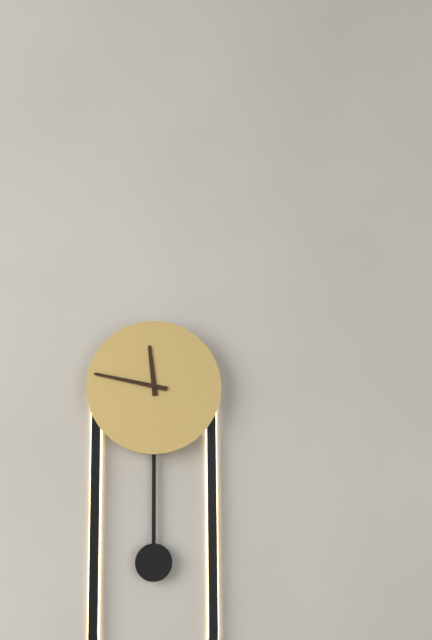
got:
11:47
